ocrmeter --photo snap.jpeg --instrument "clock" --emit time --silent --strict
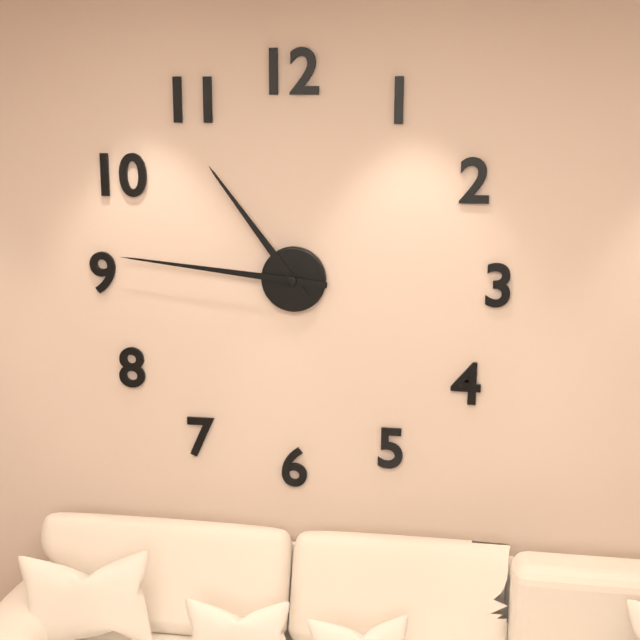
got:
10:46
